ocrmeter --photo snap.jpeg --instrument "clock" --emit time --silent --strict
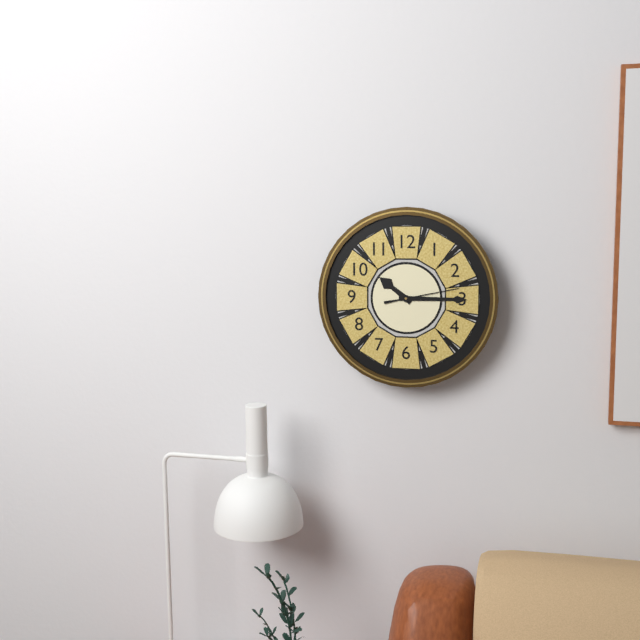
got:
10:15:13
